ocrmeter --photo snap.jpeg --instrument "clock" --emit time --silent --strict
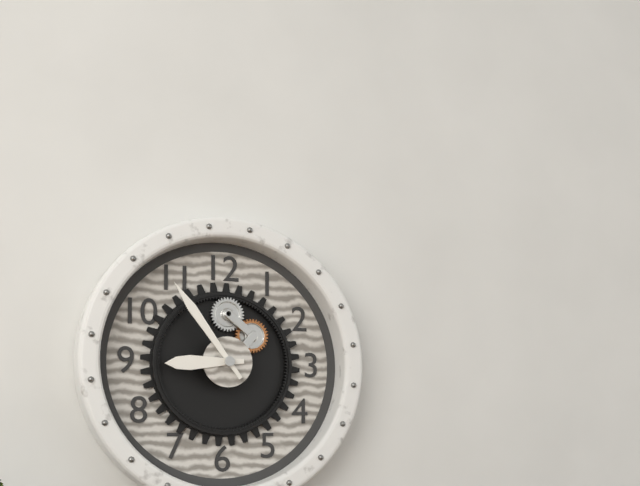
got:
8:54
